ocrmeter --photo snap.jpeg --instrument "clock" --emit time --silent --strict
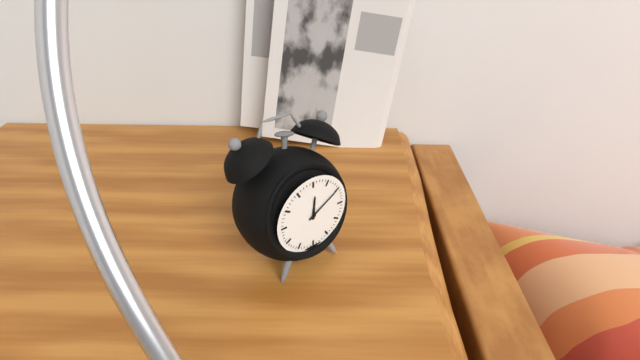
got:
12:10
